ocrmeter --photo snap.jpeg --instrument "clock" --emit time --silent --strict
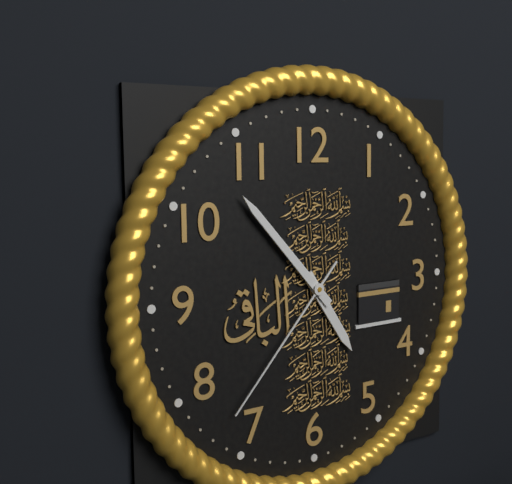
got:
4:53:37
